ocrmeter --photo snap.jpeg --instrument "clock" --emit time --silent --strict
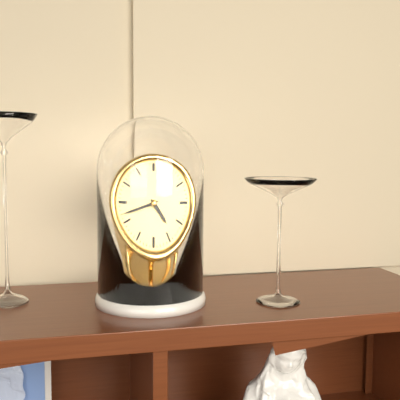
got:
4:42
